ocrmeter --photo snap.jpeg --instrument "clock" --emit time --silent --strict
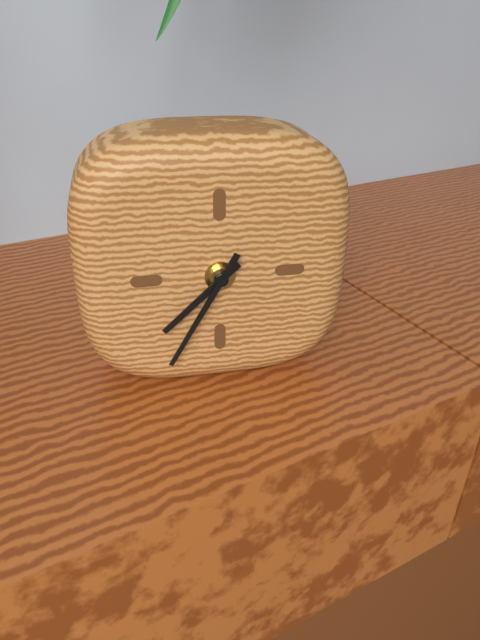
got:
7:35
